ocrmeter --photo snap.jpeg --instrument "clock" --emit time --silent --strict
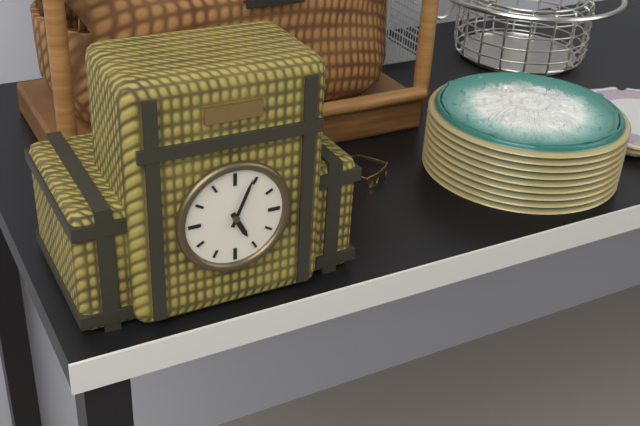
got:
5:04
